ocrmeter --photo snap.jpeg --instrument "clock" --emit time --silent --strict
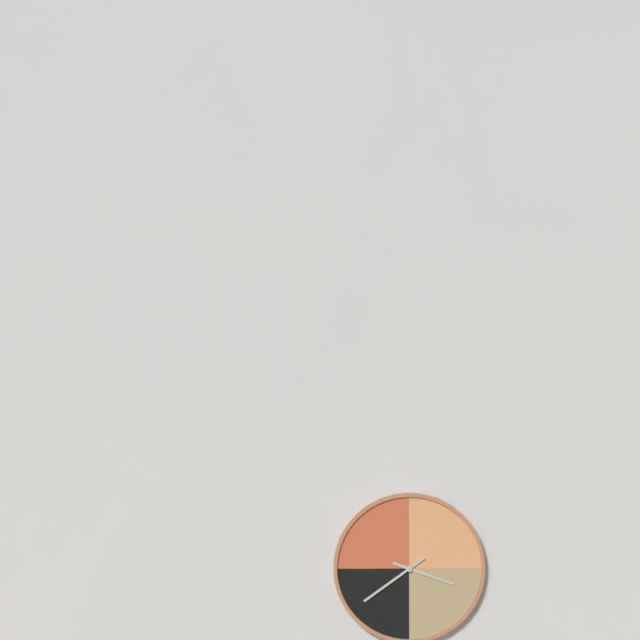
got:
3:39
